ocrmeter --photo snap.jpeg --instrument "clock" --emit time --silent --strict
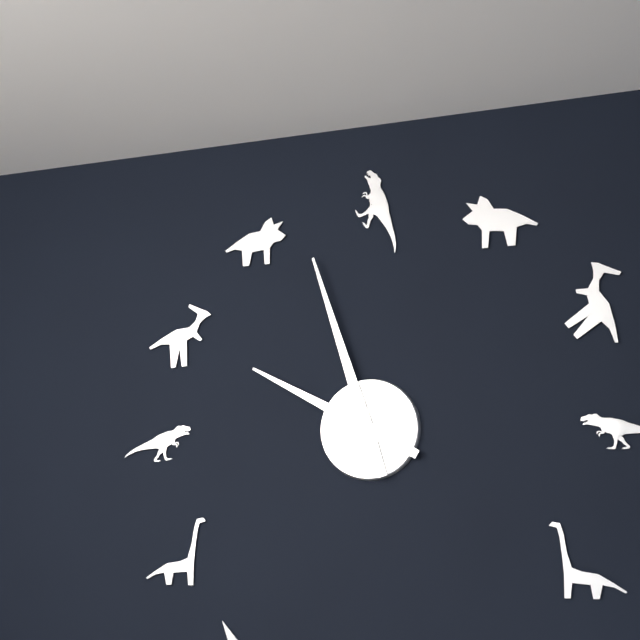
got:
9:57
